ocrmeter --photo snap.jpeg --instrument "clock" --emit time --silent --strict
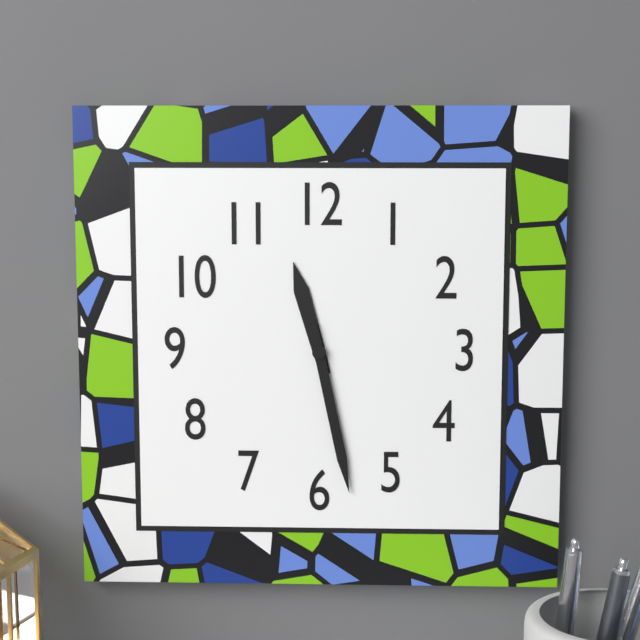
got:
11:28
